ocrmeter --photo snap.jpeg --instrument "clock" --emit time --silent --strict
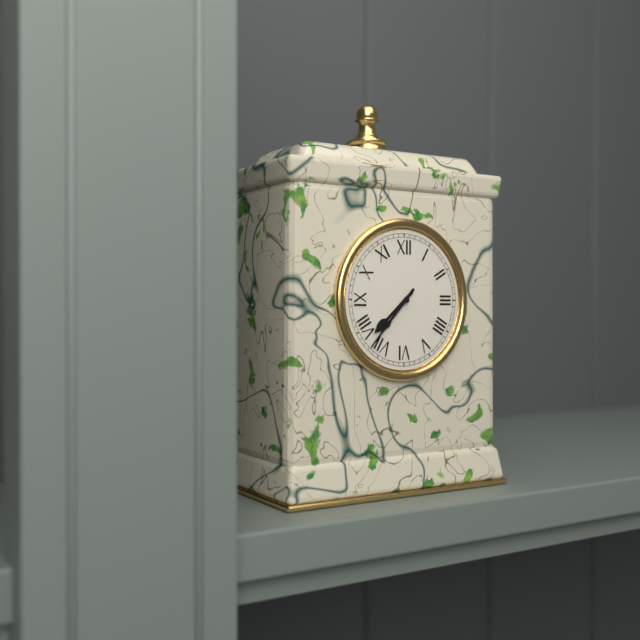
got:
7:37
